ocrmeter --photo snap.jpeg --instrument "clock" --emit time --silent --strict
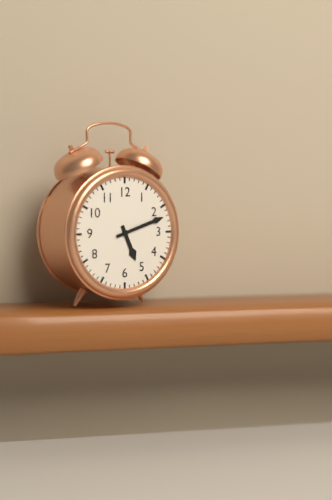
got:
5:12
